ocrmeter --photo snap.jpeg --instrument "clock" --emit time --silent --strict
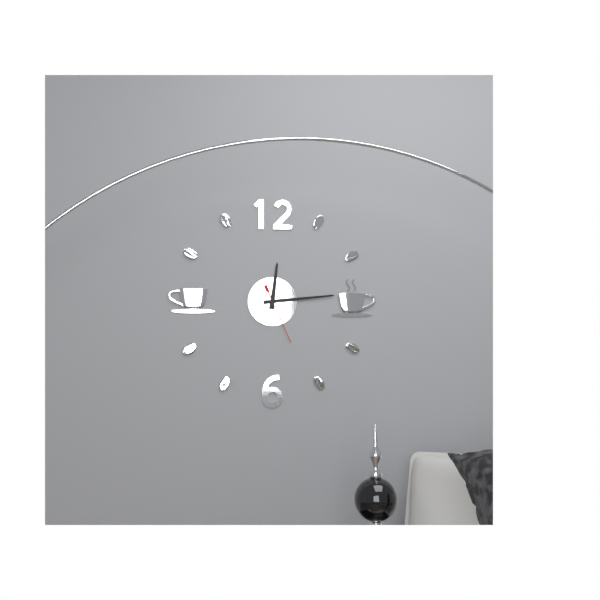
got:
12:14:26
